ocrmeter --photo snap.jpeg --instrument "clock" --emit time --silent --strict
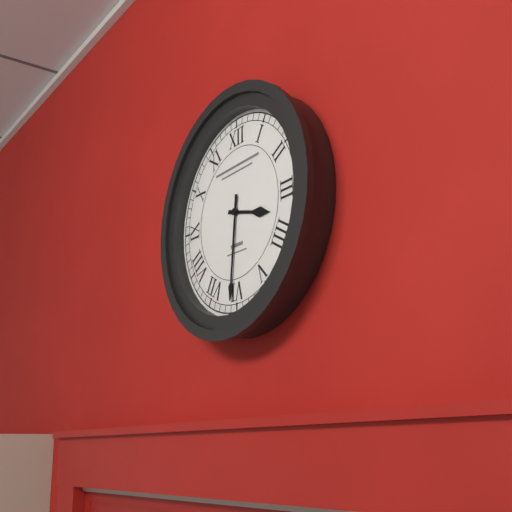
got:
3:31
